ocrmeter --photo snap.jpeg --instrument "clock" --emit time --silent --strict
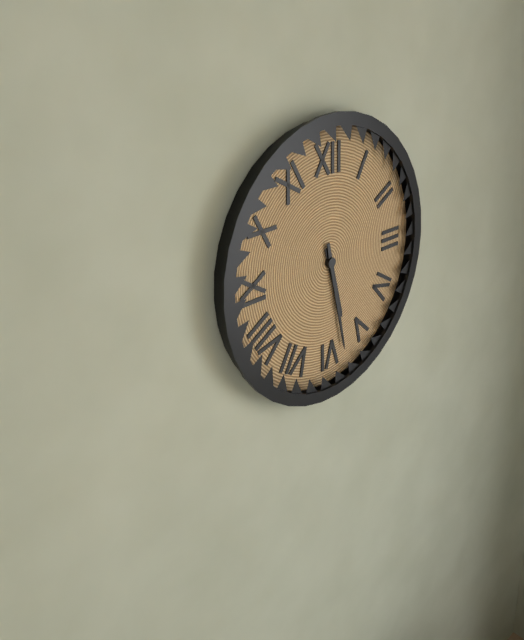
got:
5:28
